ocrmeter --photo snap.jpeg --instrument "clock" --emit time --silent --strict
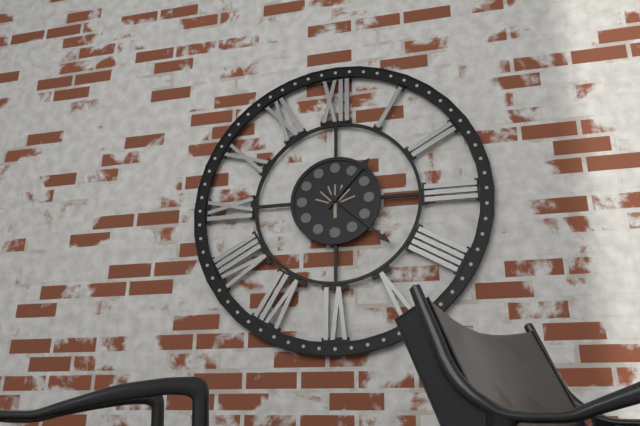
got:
1:22
